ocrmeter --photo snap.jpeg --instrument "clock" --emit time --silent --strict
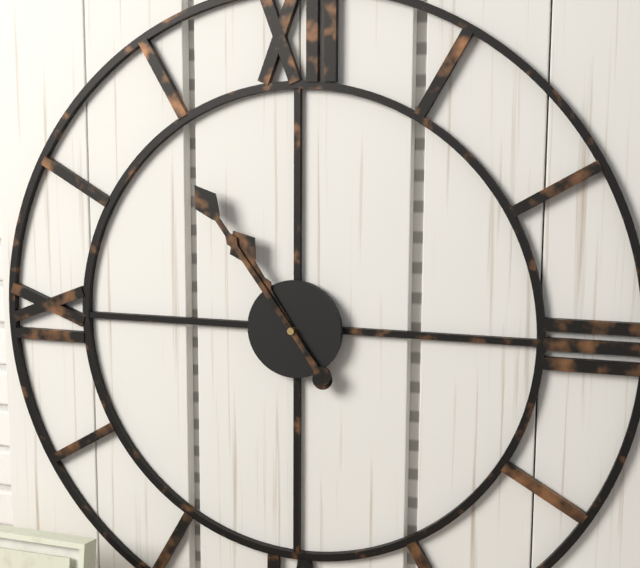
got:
10:54
